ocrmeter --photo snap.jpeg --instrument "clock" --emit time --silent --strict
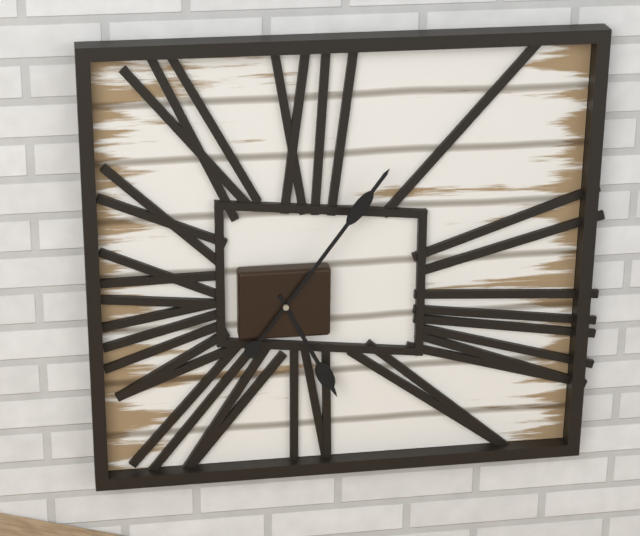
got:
5:06
